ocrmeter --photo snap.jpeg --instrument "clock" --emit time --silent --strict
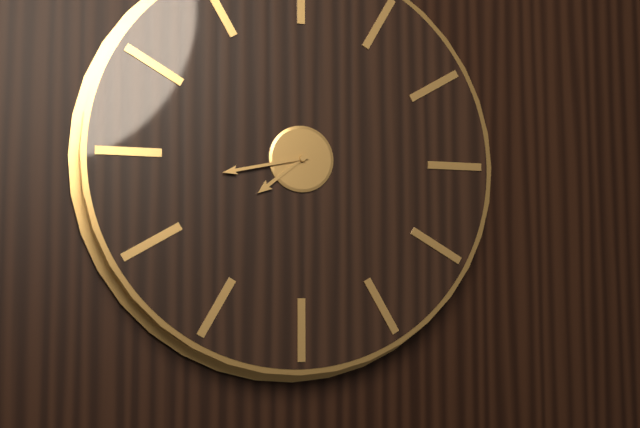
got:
7:43
